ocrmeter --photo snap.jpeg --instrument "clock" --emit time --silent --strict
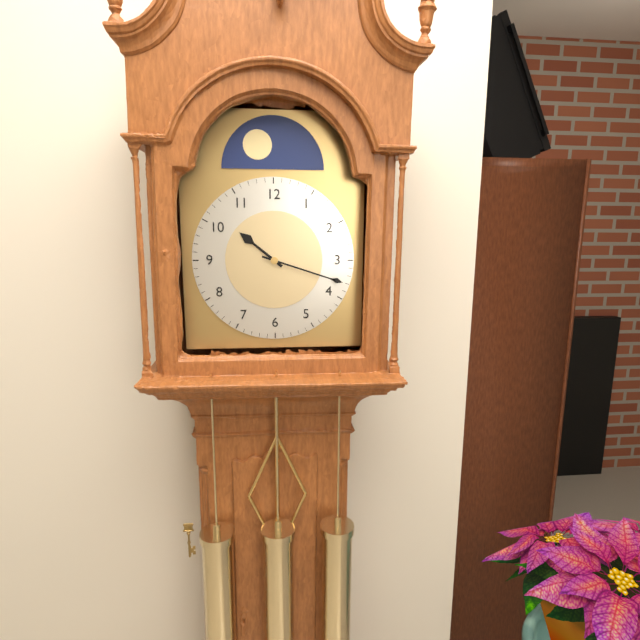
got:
10:18
